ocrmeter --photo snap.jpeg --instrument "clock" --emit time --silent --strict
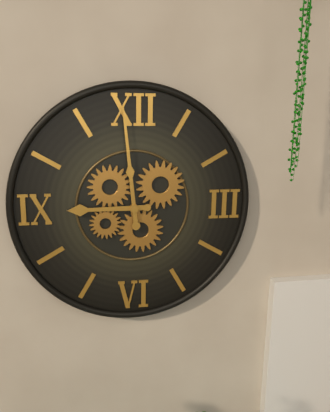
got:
8:59
